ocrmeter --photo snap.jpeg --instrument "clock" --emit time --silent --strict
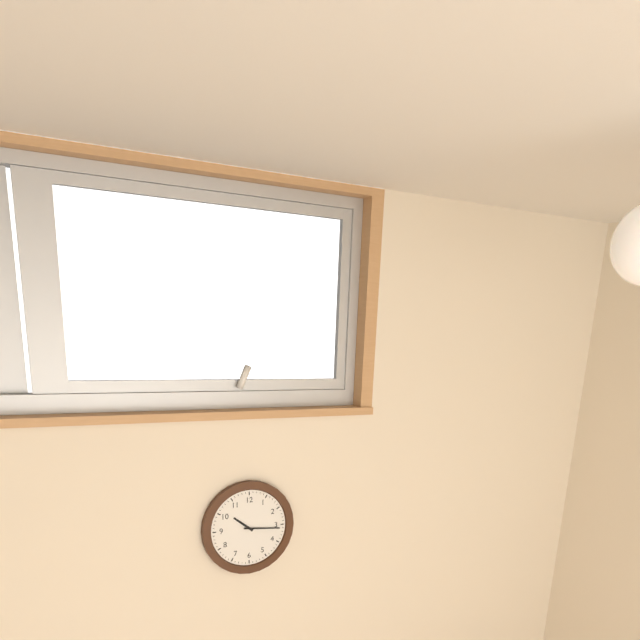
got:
10:16
